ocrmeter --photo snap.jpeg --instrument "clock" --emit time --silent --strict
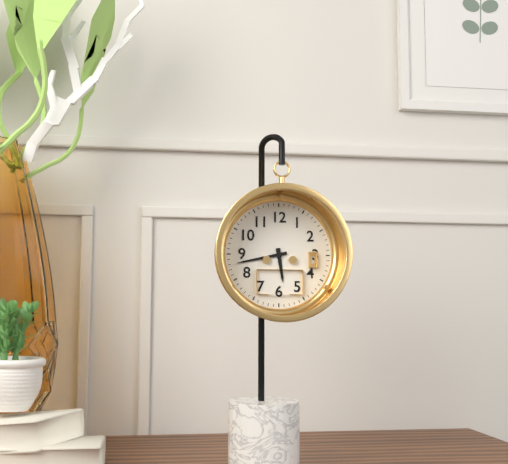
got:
5:43
